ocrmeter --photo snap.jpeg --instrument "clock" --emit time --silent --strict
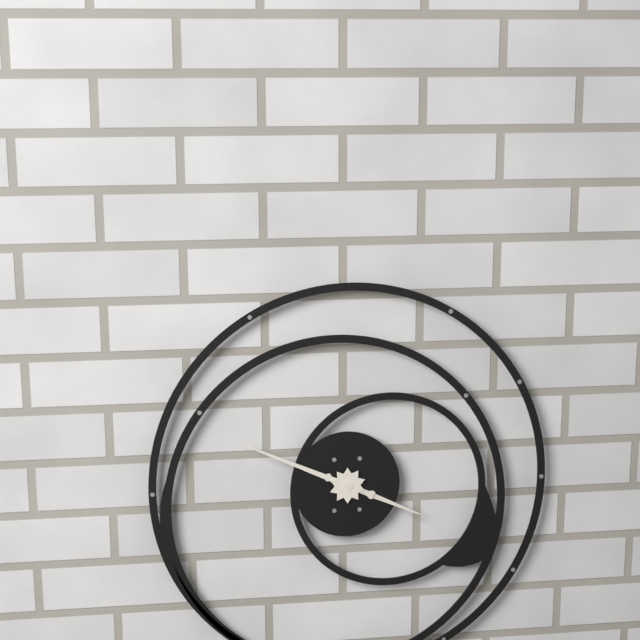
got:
3:49
